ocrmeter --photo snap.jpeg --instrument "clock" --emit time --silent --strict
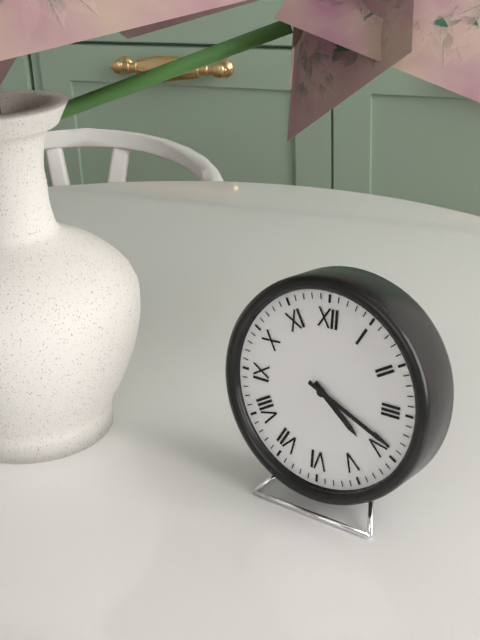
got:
4:19
